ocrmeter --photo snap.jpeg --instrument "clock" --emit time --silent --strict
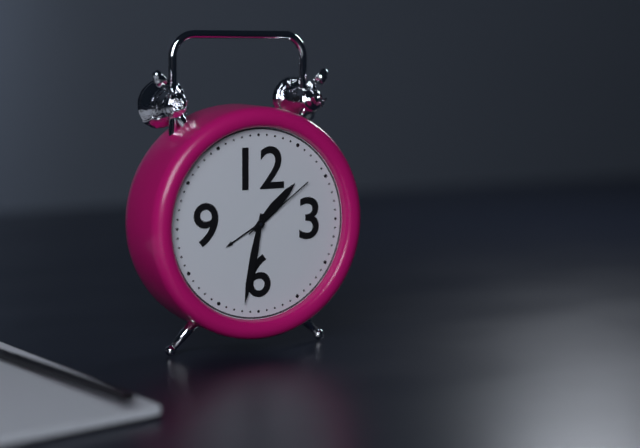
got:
1:32:09
